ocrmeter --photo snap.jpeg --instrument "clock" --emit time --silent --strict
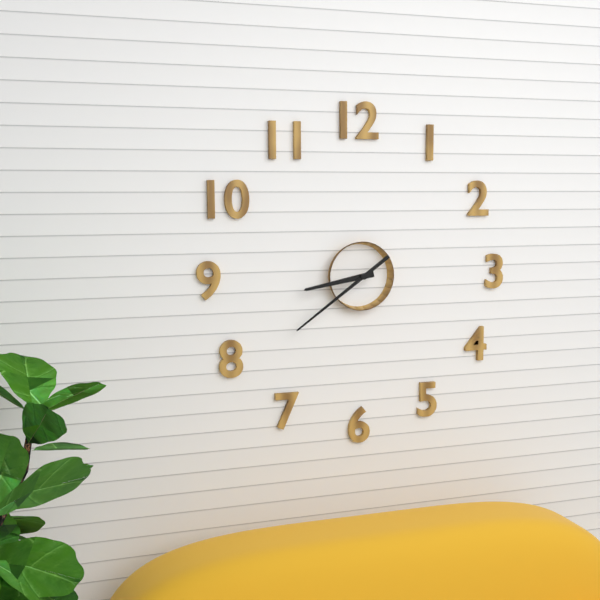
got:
8:39
